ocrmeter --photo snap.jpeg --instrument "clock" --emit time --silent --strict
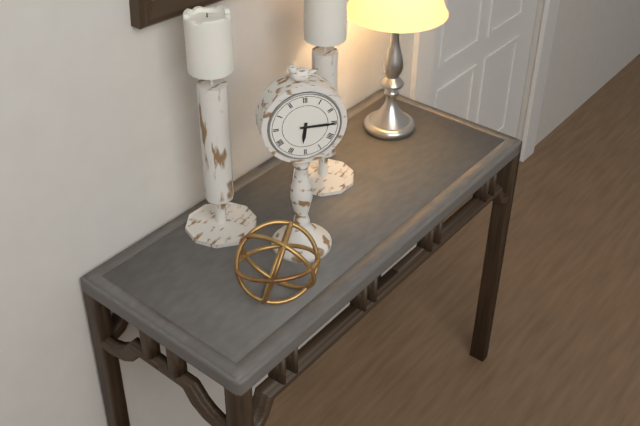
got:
6:15
